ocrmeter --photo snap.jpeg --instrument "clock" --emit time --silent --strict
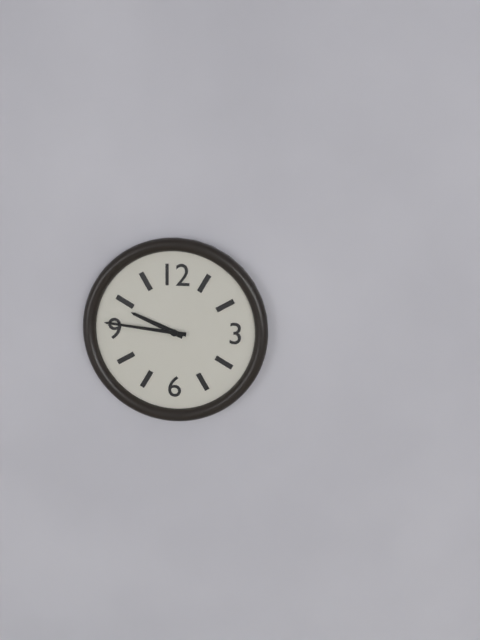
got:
9:46
